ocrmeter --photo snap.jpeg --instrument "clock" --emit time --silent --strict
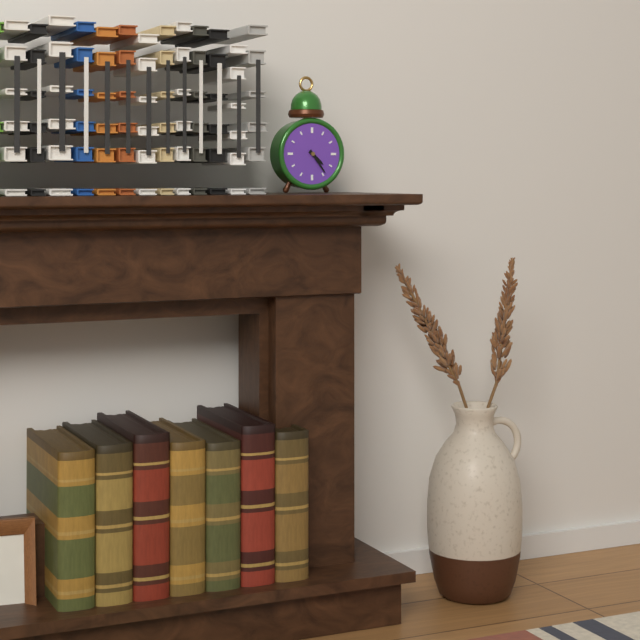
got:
4:24
